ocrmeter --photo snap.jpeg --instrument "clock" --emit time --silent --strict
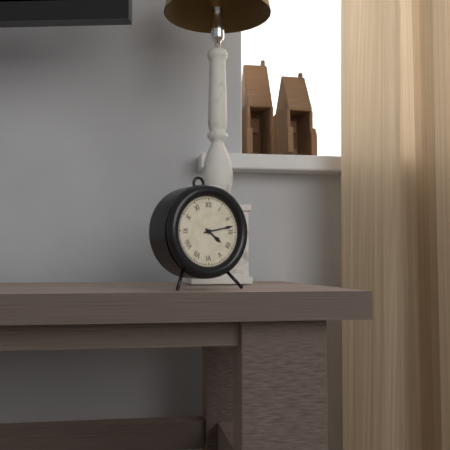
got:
4:13
